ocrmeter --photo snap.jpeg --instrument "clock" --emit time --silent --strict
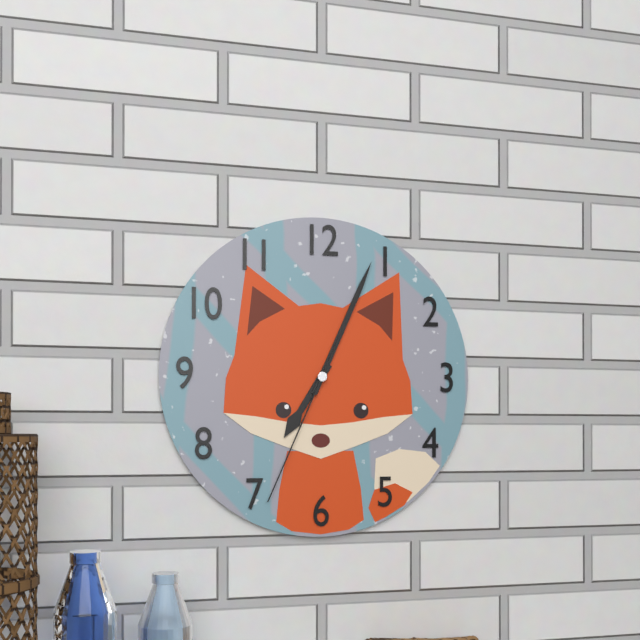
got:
7:04:34
